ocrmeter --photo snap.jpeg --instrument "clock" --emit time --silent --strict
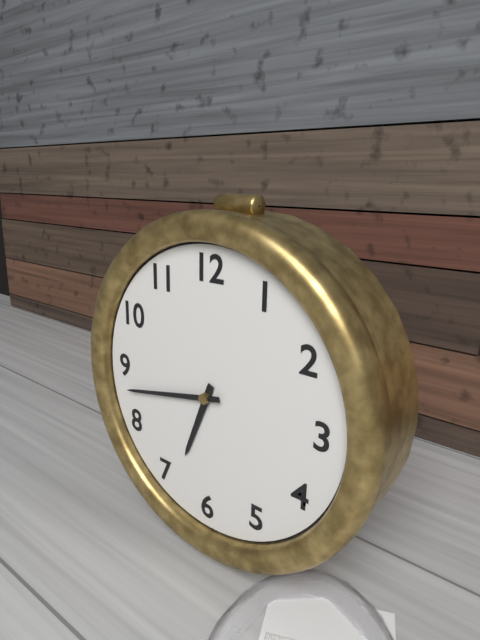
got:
6:43
